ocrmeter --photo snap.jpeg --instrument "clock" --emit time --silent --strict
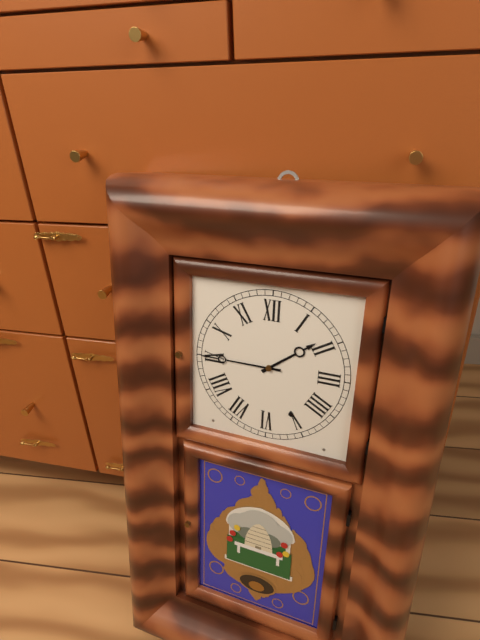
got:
1:45
